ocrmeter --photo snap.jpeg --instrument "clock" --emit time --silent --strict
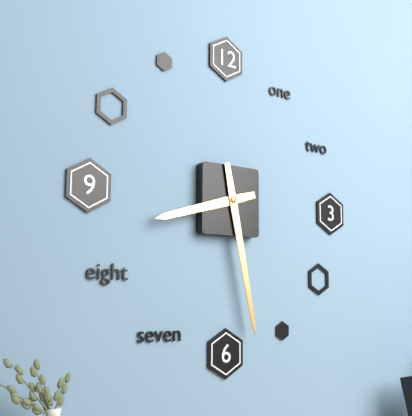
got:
8:28
